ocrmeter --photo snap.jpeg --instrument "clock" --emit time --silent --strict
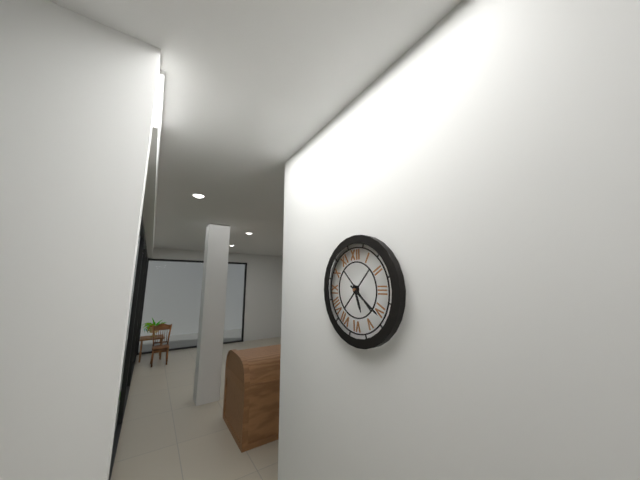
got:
5:21
